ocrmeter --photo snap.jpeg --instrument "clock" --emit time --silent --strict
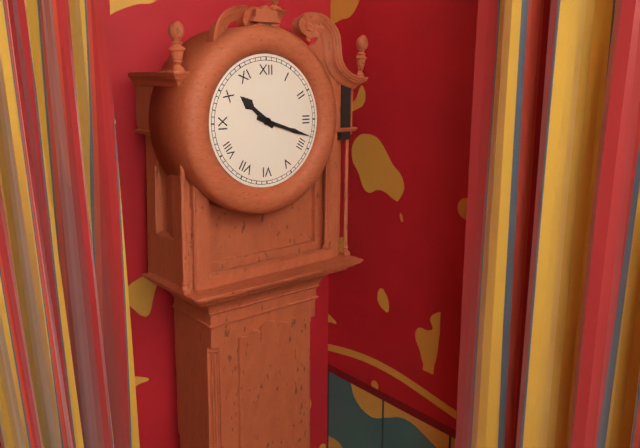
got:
10:18
